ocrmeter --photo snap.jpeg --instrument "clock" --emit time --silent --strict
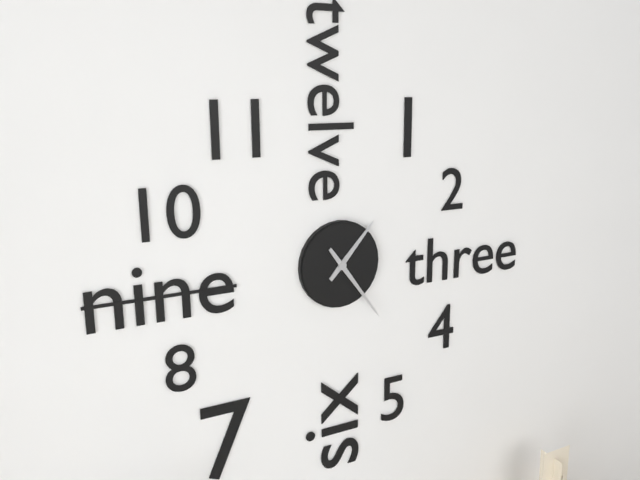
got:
1:24
